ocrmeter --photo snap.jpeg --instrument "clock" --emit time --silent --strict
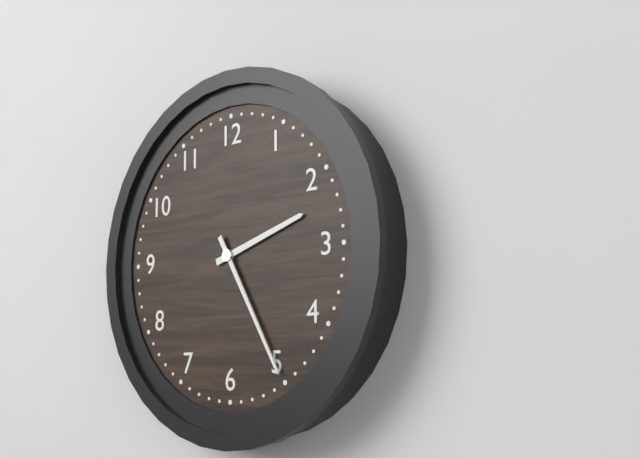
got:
2:25
